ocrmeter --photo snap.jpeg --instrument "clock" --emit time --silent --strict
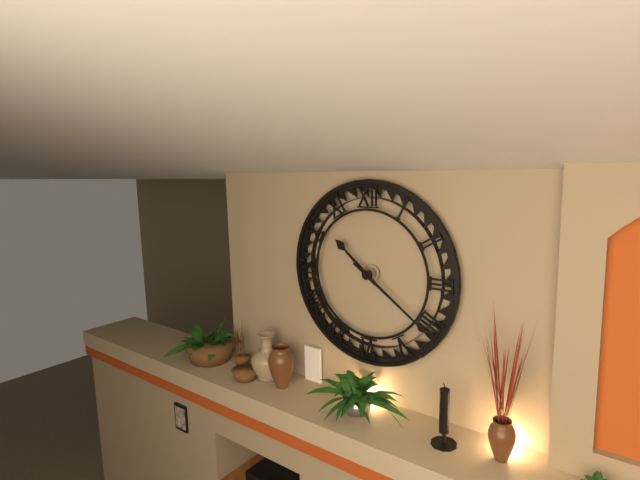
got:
10:21
